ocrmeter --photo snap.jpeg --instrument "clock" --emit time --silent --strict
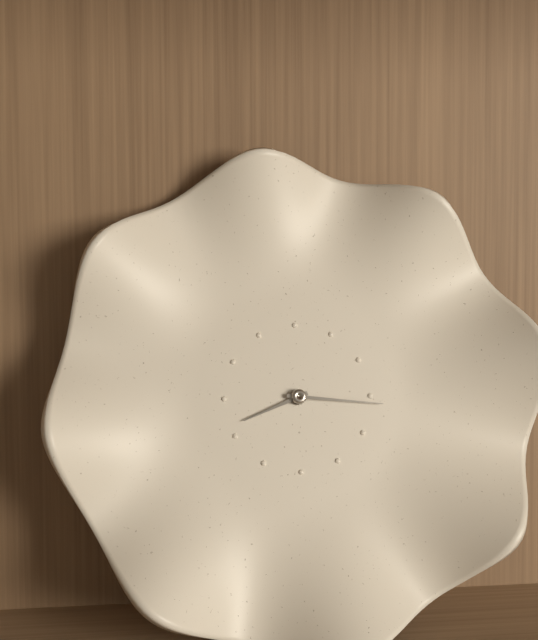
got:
8:16
